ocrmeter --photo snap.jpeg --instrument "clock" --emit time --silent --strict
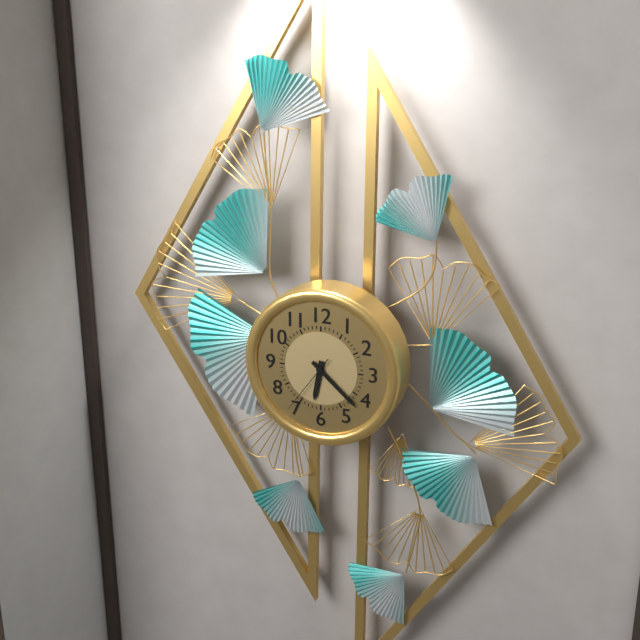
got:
6:22:36
